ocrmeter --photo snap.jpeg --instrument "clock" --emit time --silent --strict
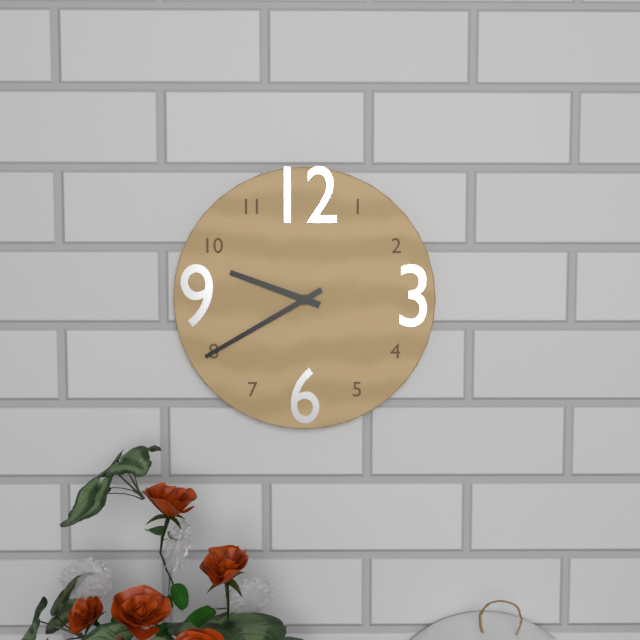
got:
9:40
